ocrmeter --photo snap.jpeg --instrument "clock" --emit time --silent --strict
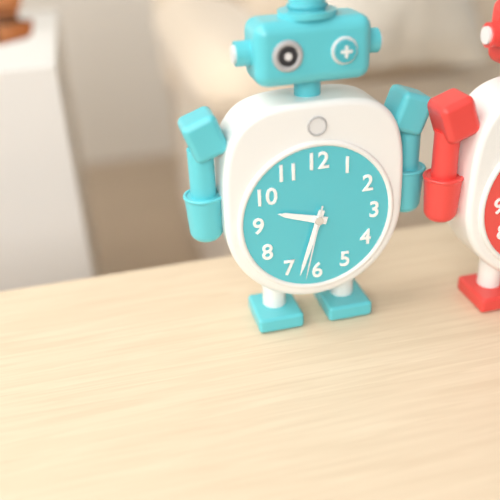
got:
9:33:32
